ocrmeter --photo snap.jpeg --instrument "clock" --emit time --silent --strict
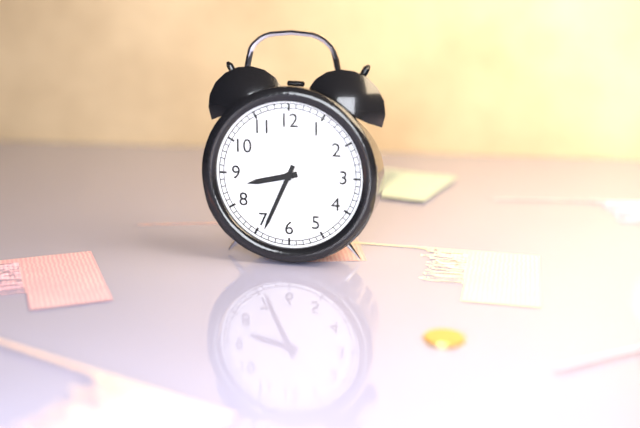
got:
8:34
